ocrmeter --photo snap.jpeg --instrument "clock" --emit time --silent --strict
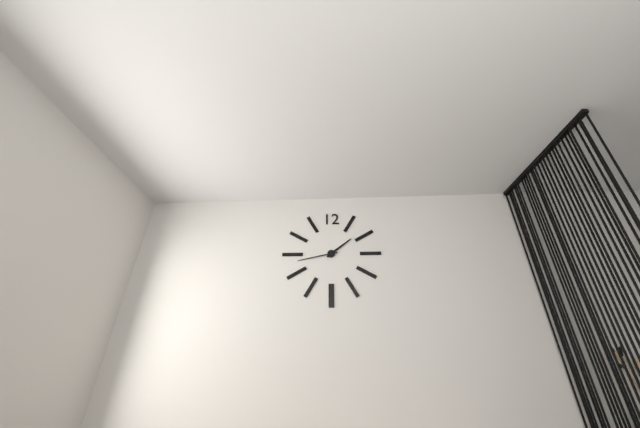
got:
1:43
